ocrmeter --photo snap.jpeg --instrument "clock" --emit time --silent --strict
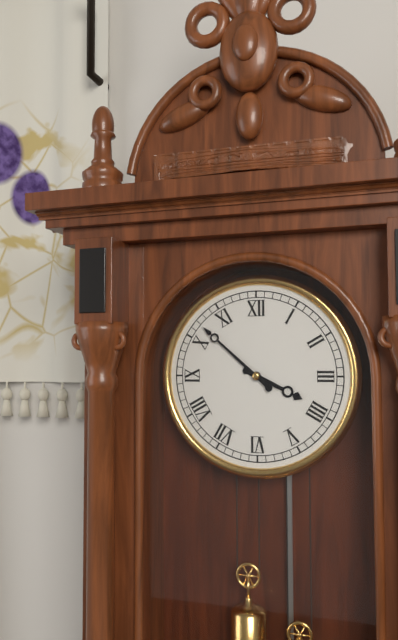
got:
3:52
